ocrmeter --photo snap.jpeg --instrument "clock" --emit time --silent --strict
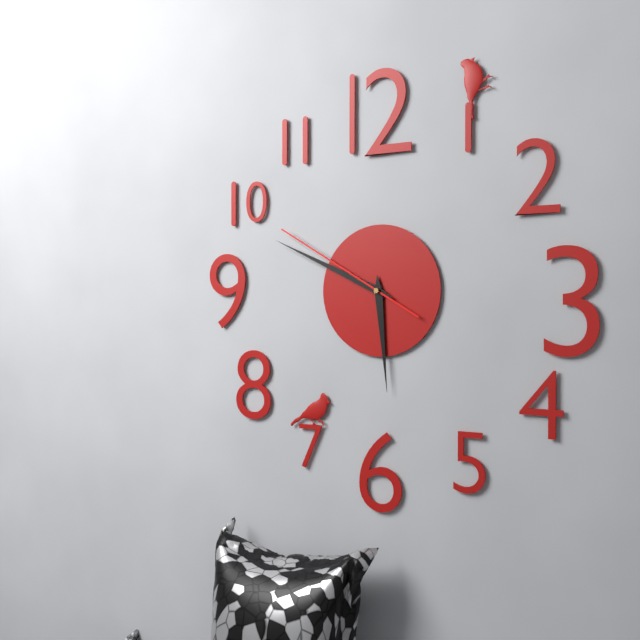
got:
5:49:50
